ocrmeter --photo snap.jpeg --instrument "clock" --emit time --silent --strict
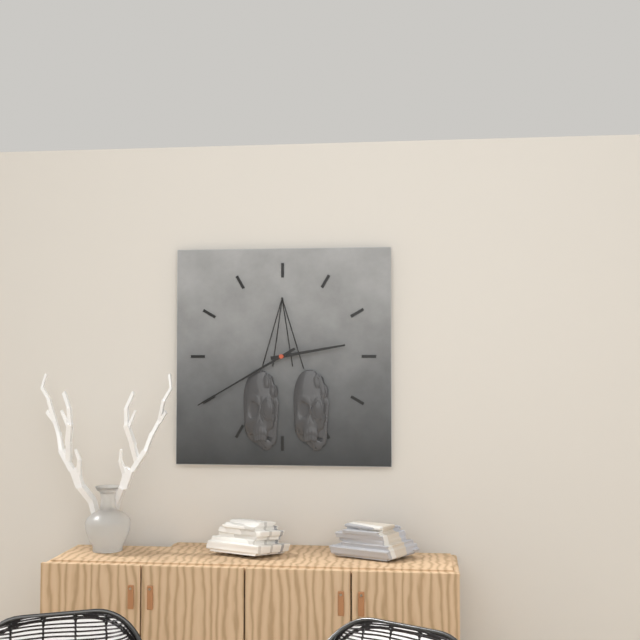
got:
2:40
